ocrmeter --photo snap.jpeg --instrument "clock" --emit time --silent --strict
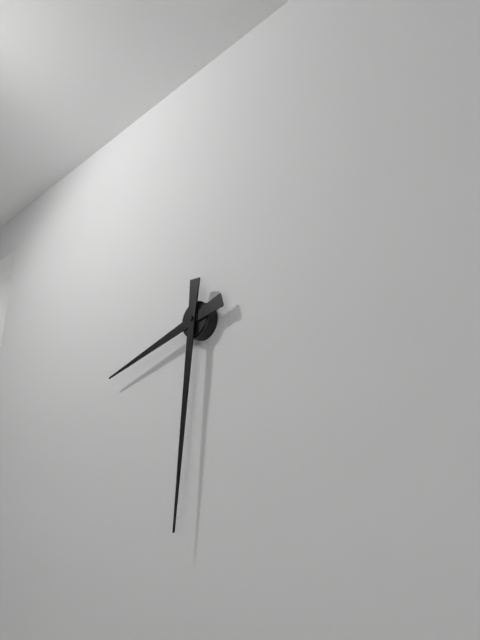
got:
8:31
